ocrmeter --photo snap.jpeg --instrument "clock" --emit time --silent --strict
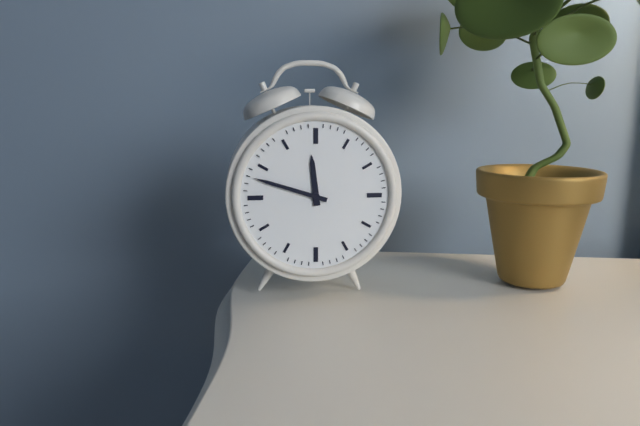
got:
11:48
